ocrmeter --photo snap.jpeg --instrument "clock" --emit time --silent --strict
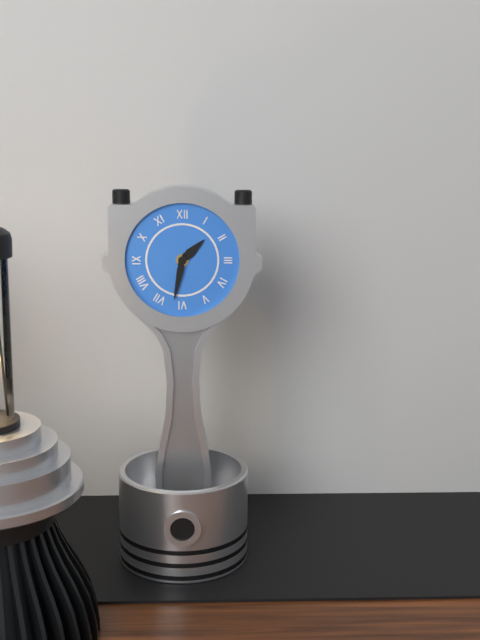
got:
1:32
